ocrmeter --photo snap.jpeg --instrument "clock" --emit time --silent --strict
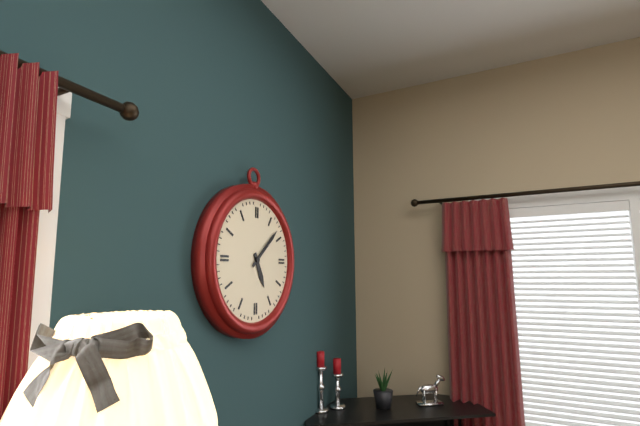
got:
5:08
